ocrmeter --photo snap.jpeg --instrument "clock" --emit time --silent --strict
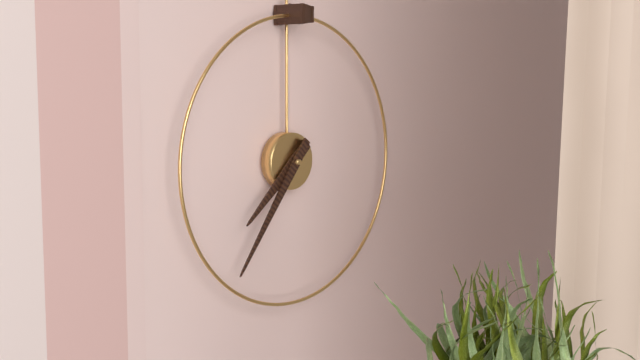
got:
7:36
